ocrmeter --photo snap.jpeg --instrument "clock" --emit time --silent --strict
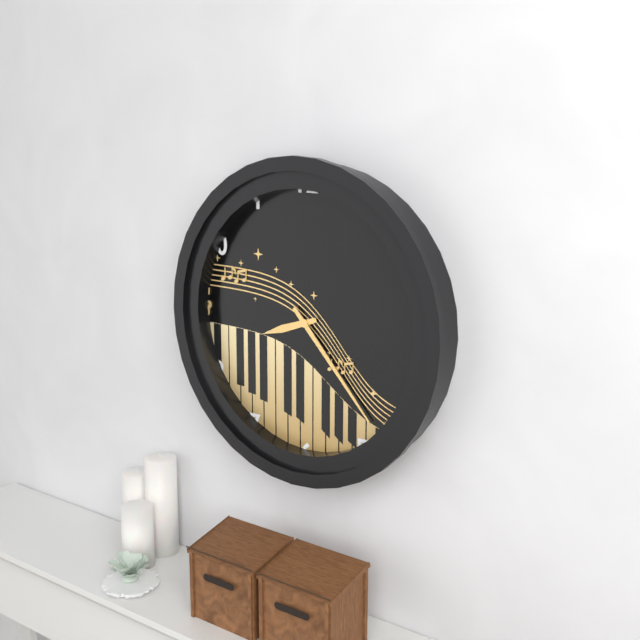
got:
8:23
